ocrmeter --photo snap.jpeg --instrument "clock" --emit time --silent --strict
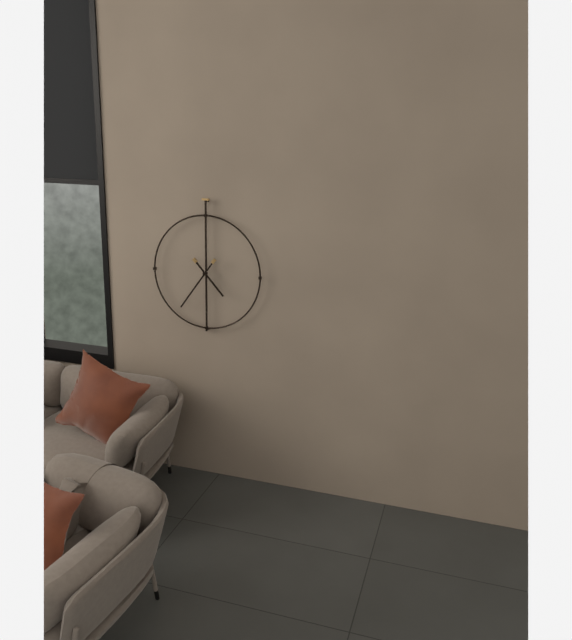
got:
4:36
